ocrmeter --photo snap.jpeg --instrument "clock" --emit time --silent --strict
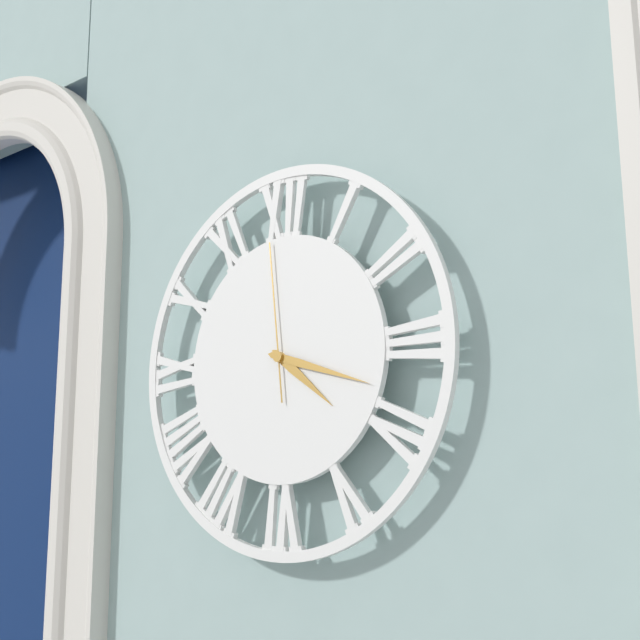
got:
4:18:59
